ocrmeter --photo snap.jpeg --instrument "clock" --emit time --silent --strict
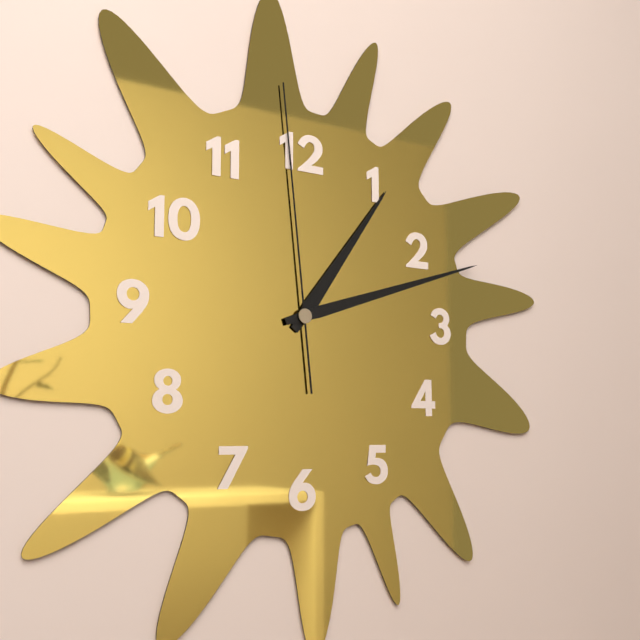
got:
1:12:59
